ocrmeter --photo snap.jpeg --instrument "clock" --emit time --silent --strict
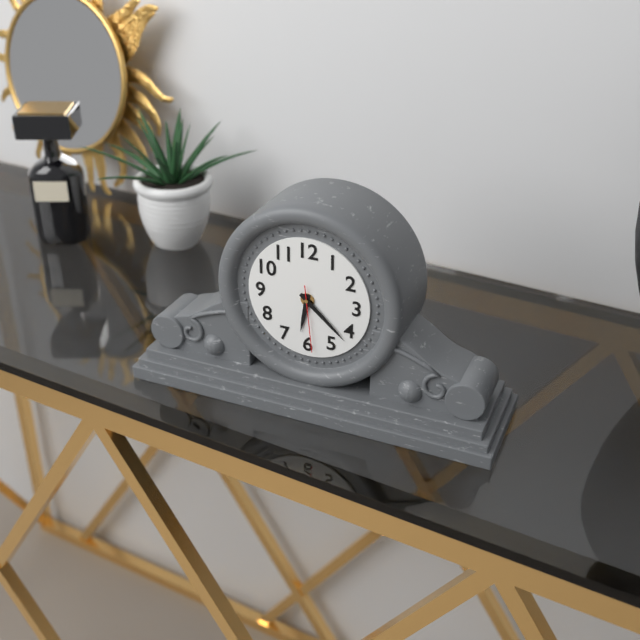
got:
6:22:29
